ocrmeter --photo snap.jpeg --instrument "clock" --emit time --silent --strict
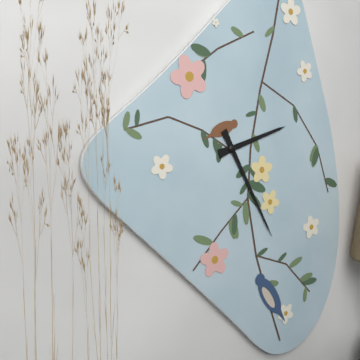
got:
2:25
